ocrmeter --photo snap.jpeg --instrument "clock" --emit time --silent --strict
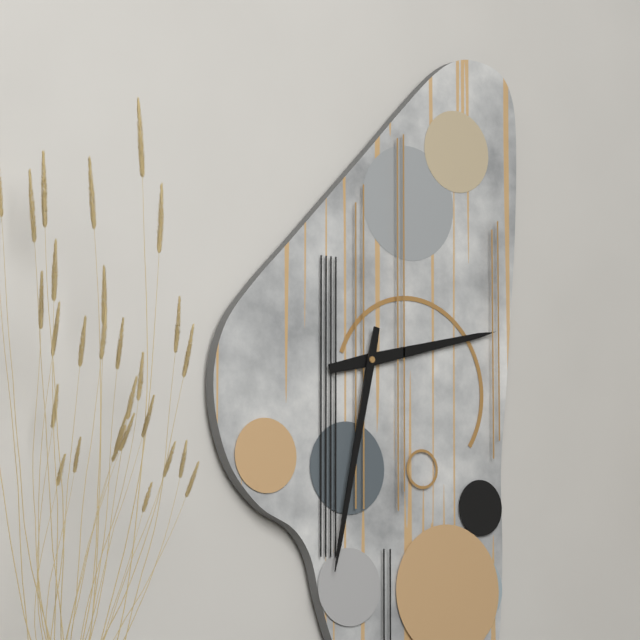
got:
2:32
